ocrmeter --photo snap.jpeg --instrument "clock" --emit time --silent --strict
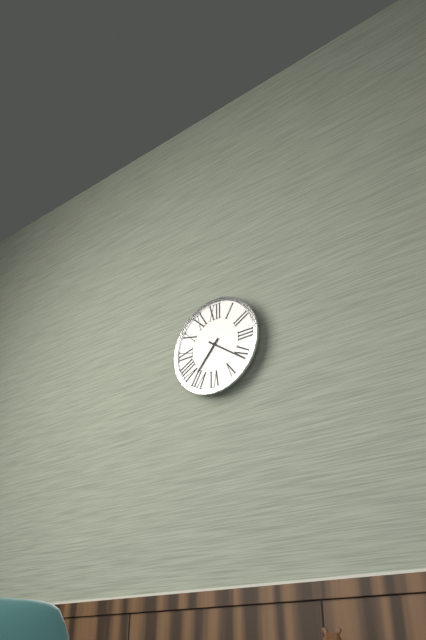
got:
7:21
